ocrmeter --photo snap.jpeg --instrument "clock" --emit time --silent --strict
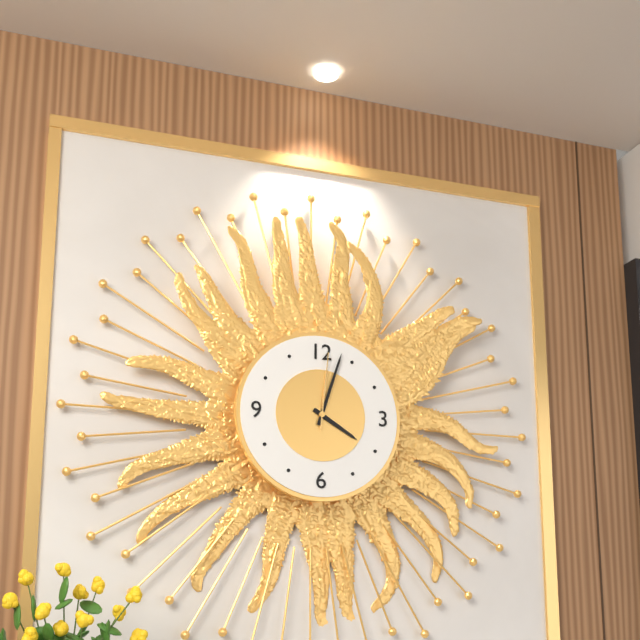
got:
4:03:01
